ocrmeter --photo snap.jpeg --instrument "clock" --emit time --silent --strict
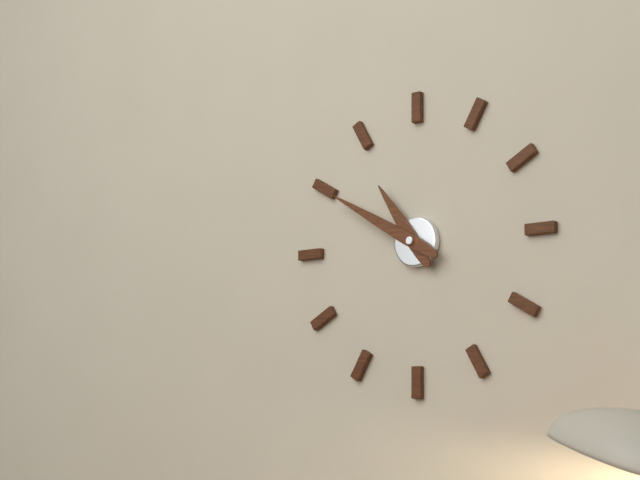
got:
10:50
